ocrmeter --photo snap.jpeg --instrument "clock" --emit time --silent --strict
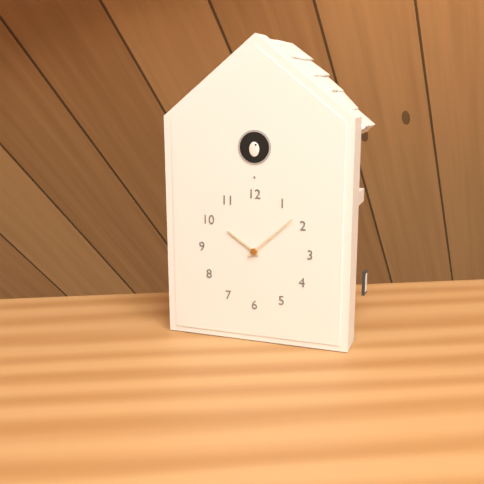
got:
10:08
